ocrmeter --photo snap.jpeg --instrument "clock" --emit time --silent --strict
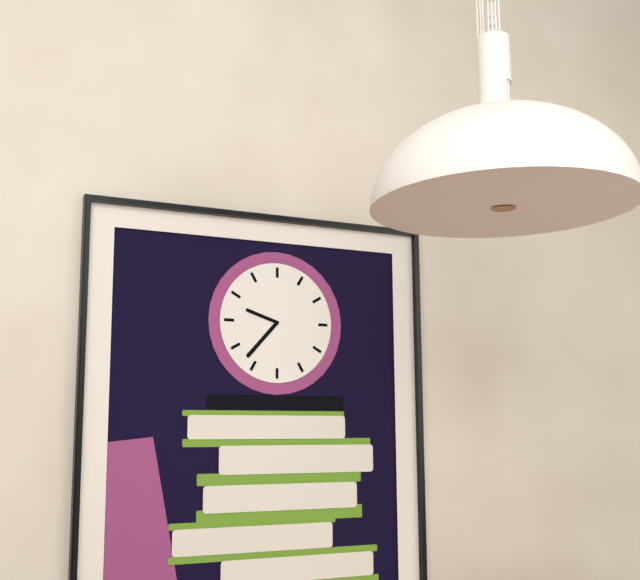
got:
9:37
